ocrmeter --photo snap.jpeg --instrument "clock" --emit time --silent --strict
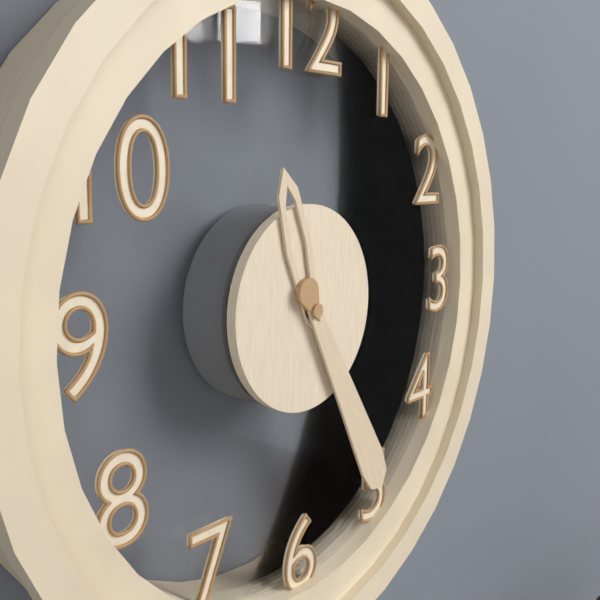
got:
11:25
